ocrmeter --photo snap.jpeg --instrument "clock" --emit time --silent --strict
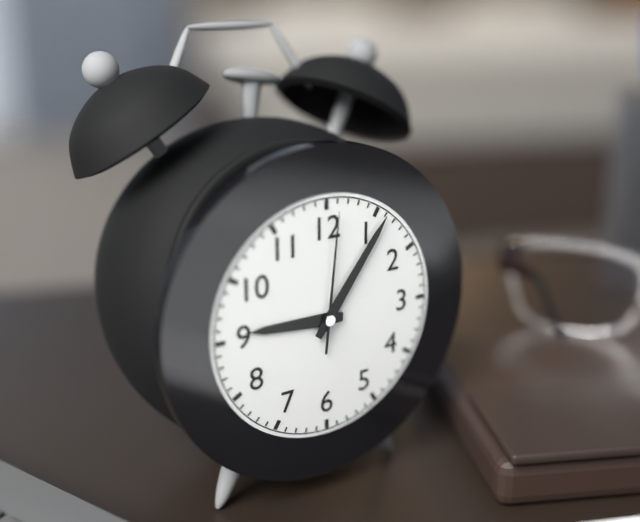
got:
9:06:01
